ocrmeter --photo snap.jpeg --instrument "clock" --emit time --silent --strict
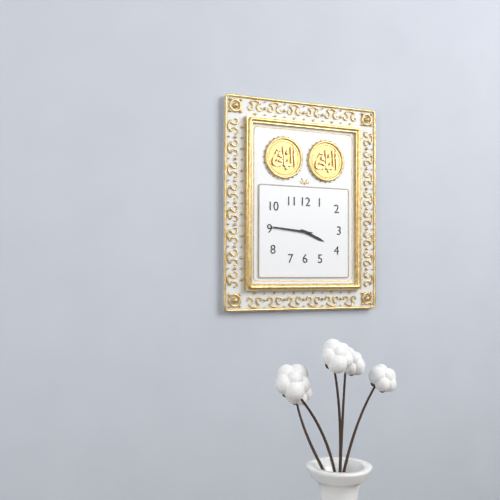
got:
3:46
